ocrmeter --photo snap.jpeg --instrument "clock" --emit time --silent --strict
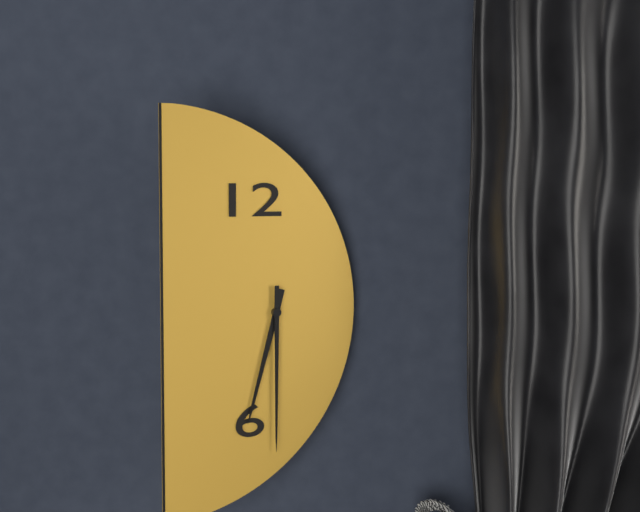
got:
6:30
